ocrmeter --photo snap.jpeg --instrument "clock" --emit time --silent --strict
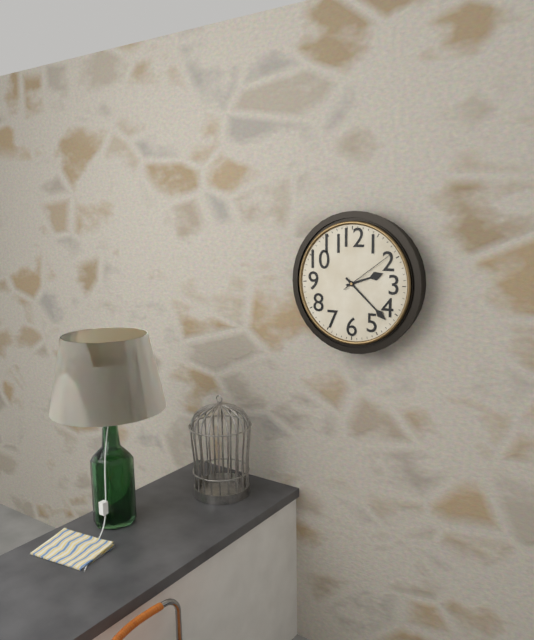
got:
2:22:09
